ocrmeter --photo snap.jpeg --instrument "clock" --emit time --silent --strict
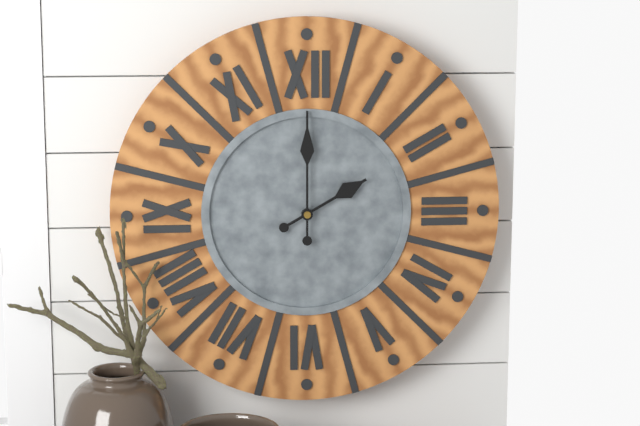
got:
2:00
